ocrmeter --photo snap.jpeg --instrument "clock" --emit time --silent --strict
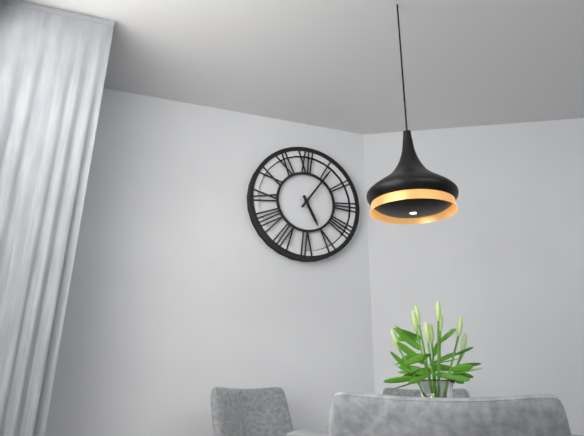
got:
5:06
